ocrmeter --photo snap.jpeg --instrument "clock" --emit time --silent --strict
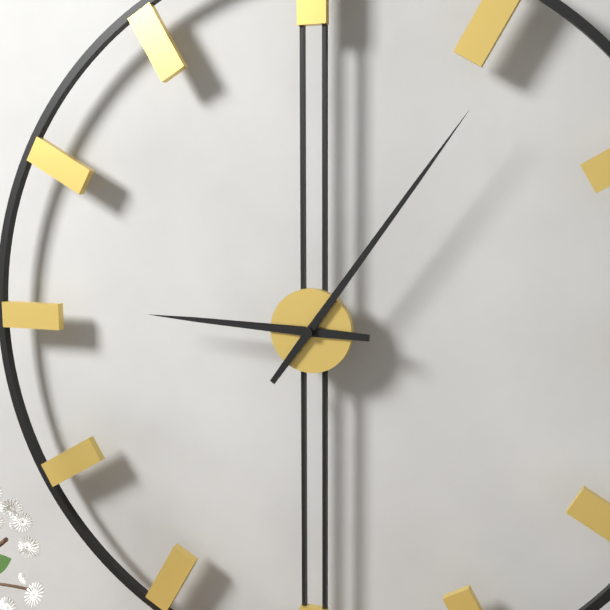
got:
9:06
